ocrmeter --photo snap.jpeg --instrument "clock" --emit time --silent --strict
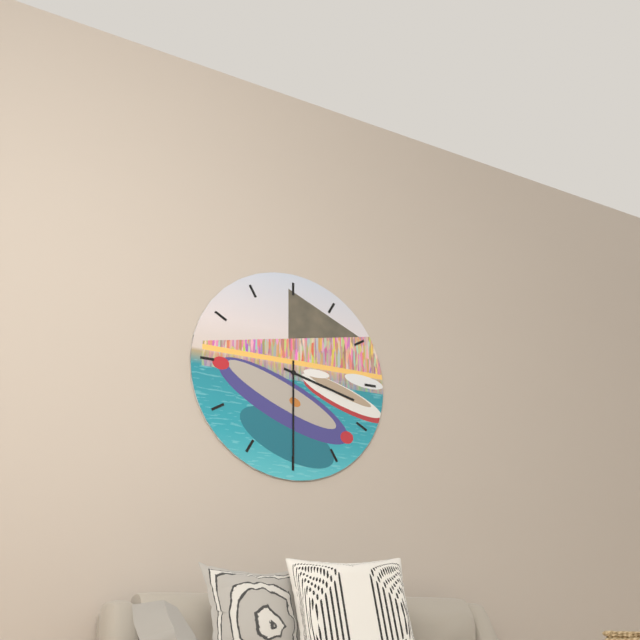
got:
3:30
